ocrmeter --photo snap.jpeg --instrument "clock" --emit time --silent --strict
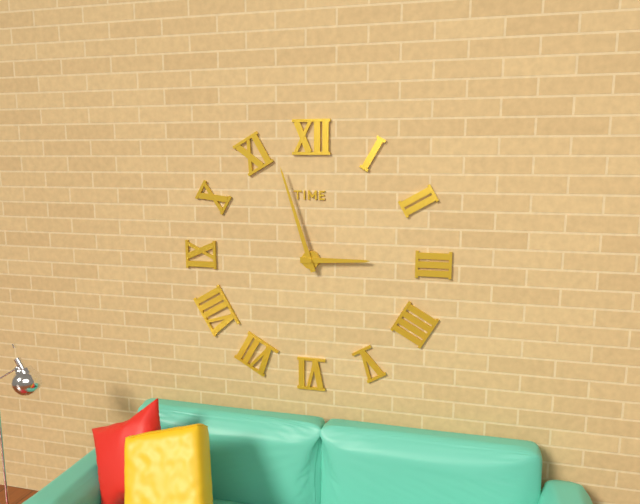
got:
2:57
